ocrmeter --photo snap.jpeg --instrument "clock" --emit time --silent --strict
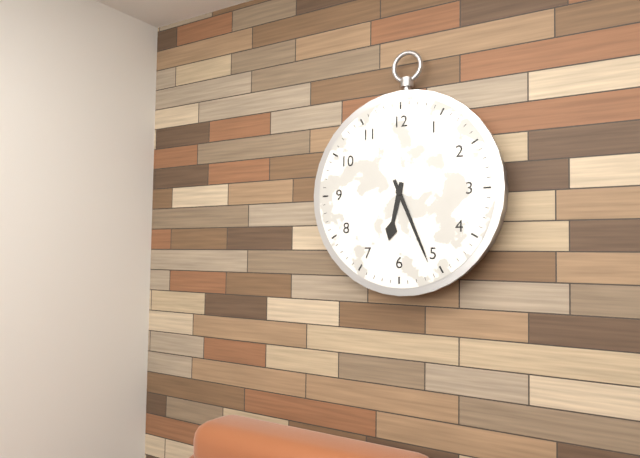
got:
6:26
